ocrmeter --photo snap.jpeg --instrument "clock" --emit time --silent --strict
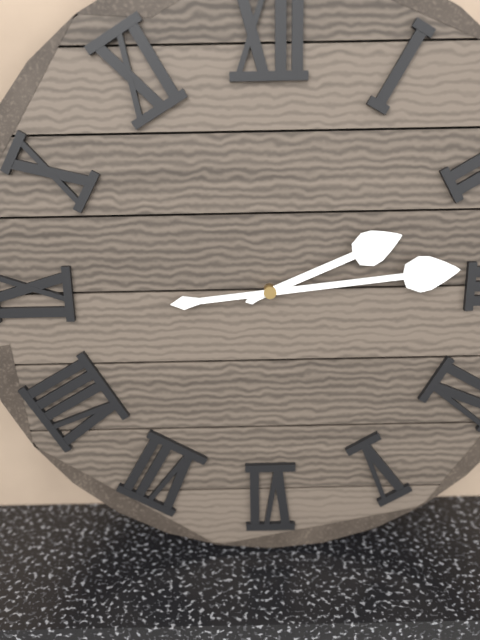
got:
2:14
